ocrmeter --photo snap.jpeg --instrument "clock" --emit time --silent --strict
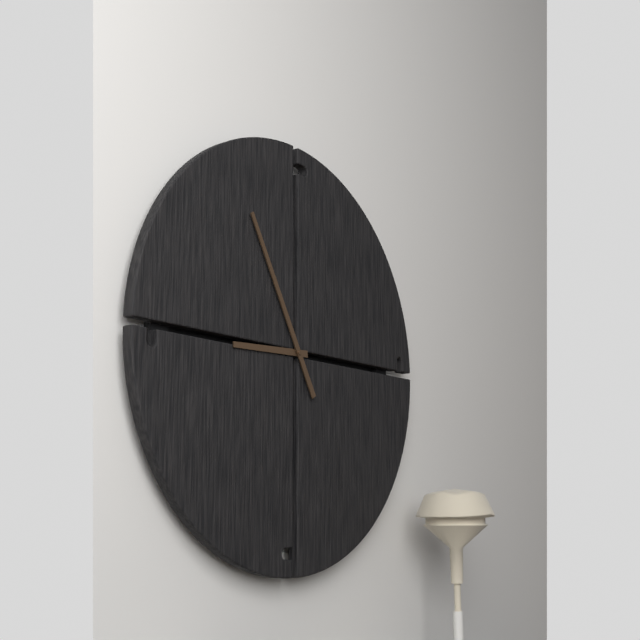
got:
8:55
